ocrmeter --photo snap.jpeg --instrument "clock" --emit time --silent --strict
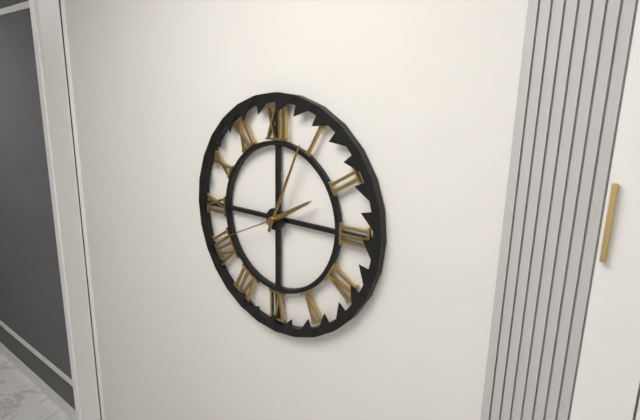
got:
2:04:41
